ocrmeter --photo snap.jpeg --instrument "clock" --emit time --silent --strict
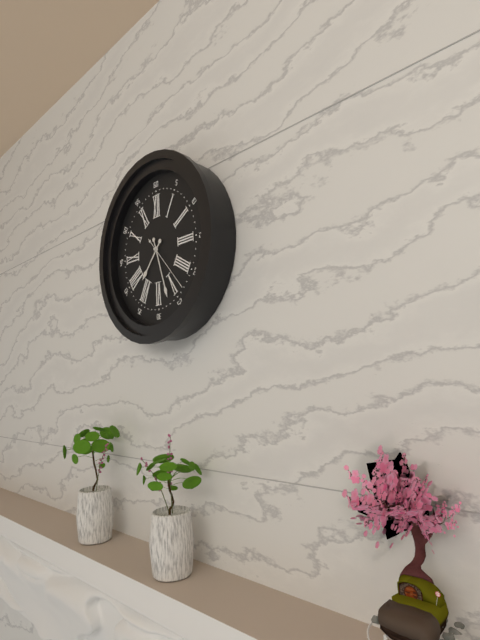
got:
7:27:23
